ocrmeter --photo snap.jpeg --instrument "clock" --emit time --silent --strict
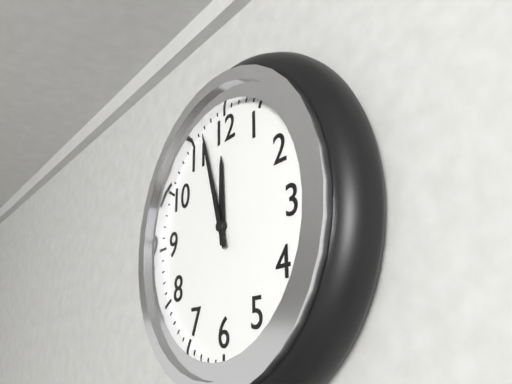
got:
11:57
